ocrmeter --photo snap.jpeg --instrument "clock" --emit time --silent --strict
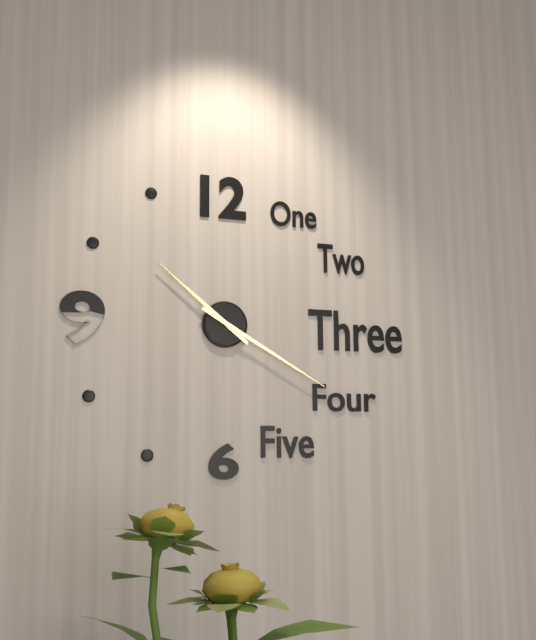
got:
10:20
